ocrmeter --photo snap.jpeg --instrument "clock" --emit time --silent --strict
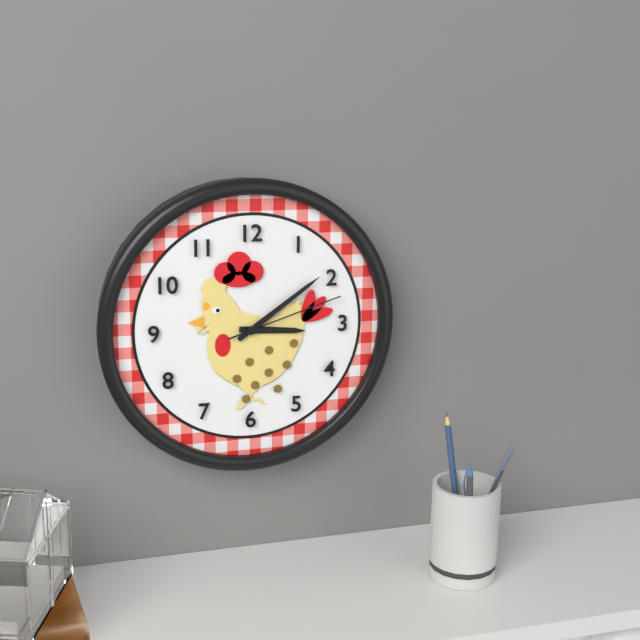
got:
3:09:12
